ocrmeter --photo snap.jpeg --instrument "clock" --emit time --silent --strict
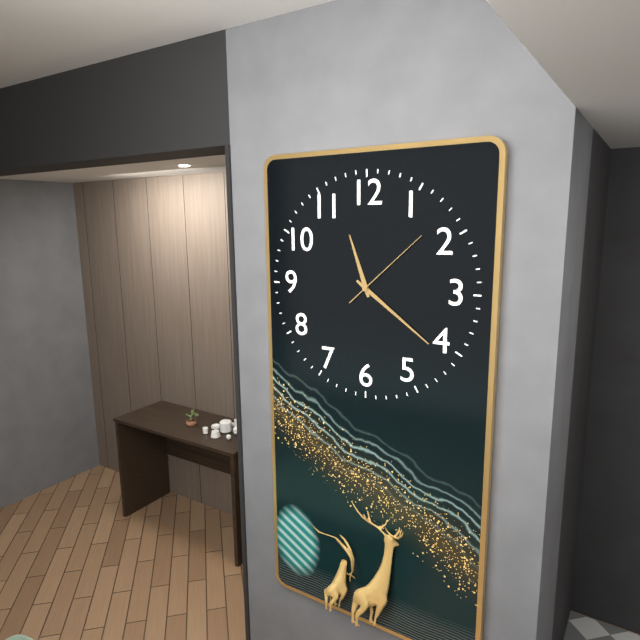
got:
11:21:08
